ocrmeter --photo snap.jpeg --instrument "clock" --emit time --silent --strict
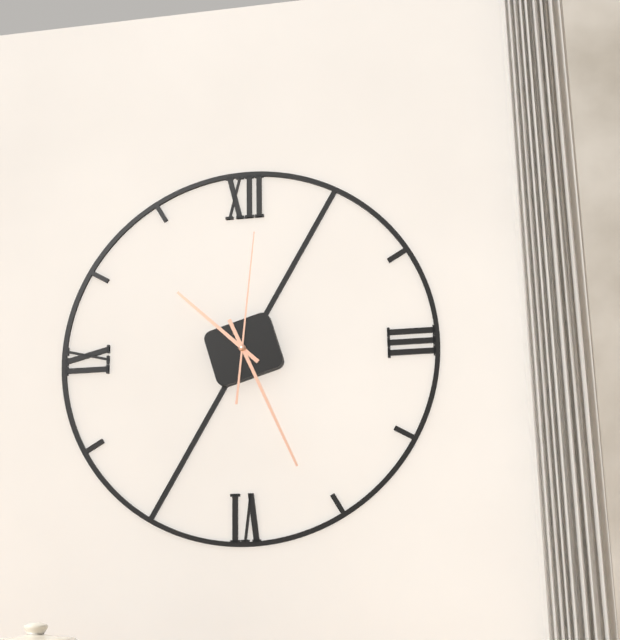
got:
10:26:01
